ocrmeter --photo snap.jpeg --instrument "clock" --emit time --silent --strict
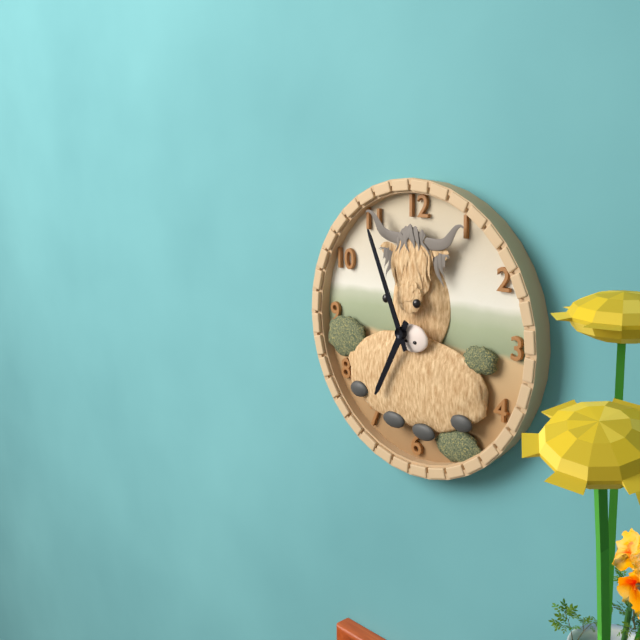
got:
6:56
